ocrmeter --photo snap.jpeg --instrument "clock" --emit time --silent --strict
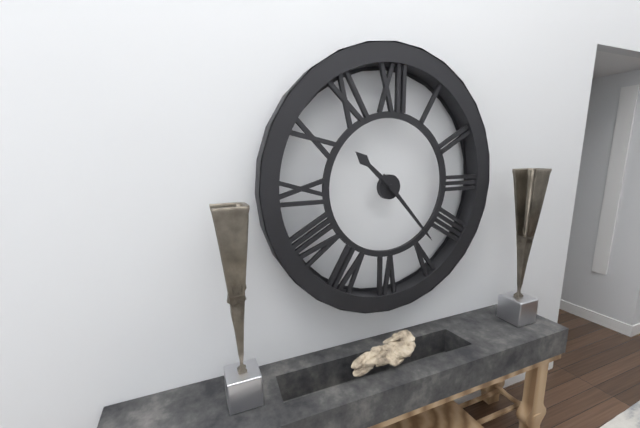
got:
10:23
